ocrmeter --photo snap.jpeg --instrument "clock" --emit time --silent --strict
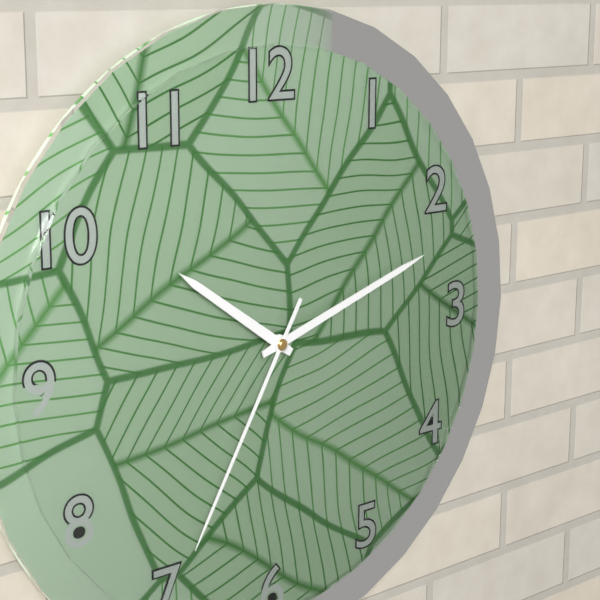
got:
10:12:35
